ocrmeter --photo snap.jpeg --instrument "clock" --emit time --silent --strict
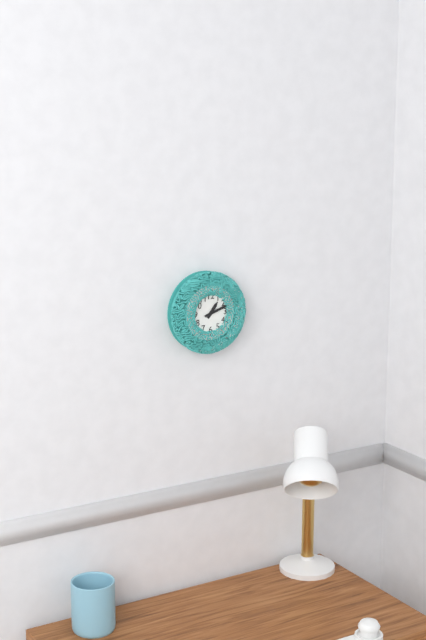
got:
1:12
